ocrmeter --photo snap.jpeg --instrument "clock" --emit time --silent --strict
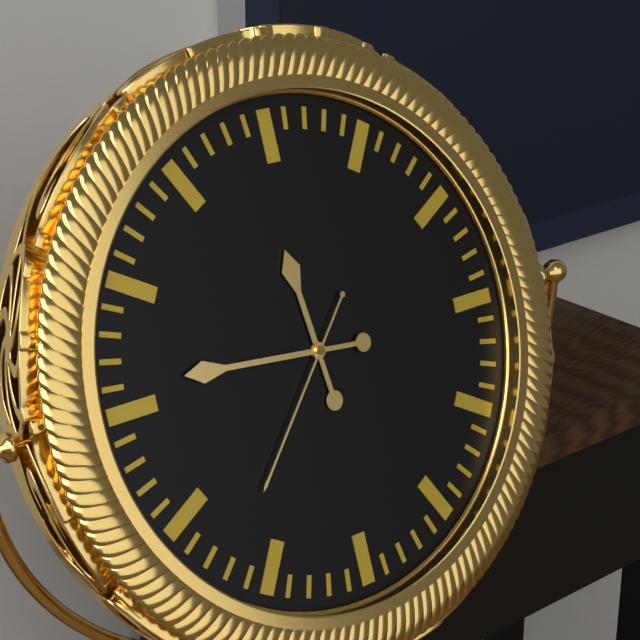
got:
11:46:37
